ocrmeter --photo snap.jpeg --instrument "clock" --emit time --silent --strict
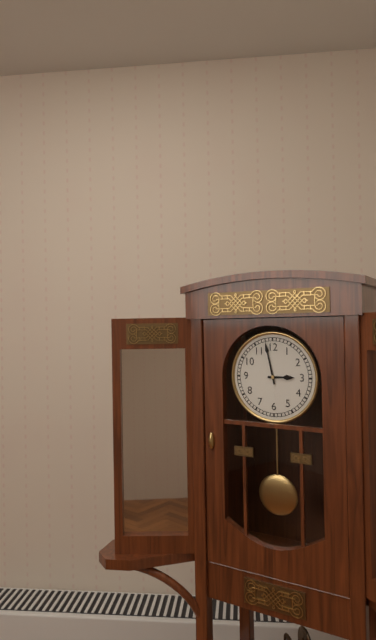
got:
2:58
